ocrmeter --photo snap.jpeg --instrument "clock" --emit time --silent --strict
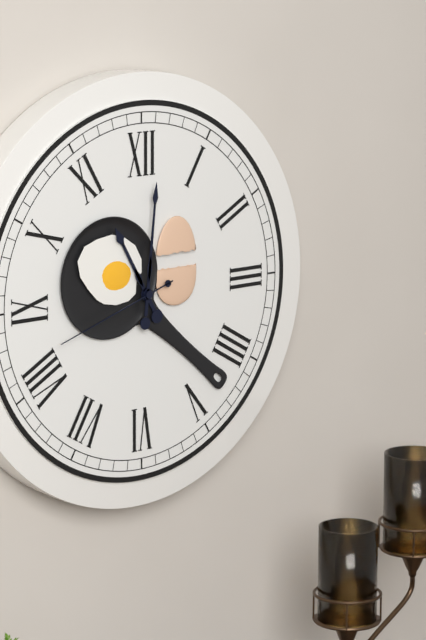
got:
11:01:42
